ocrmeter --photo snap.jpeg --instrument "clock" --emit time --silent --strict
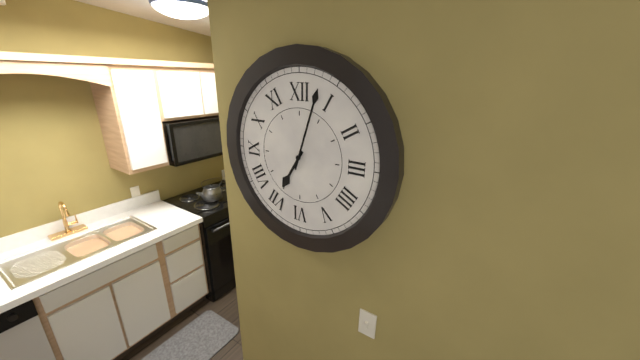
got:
7:03
